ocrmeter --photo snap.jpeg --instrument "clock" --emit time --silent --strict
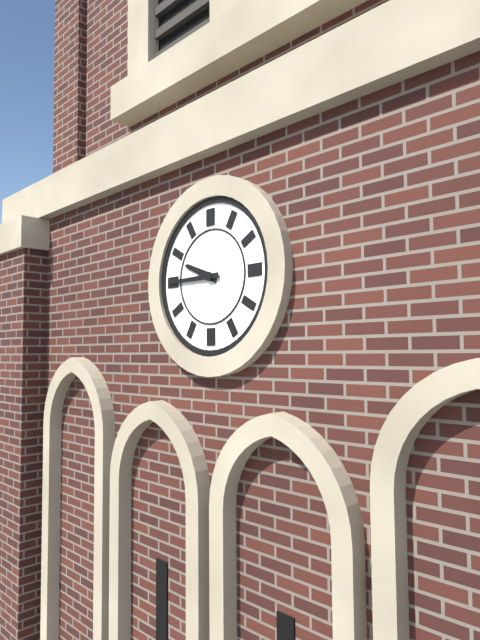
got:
9:45
